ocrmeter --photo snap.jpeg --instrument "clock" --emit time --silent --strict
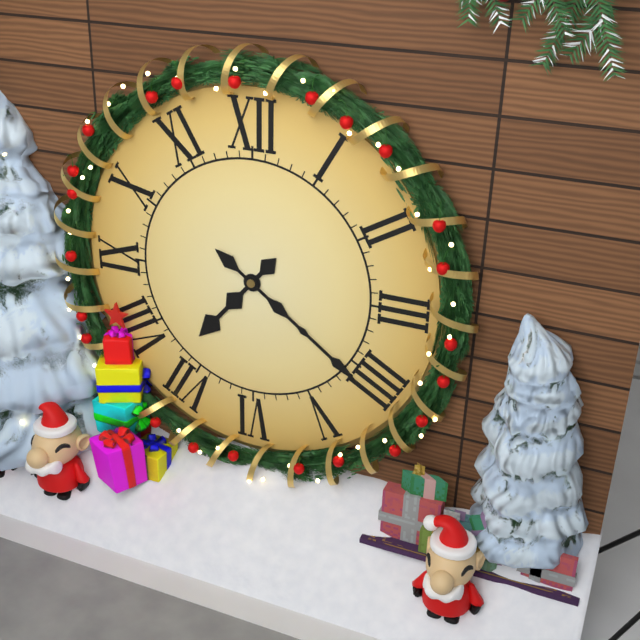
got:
7:21
